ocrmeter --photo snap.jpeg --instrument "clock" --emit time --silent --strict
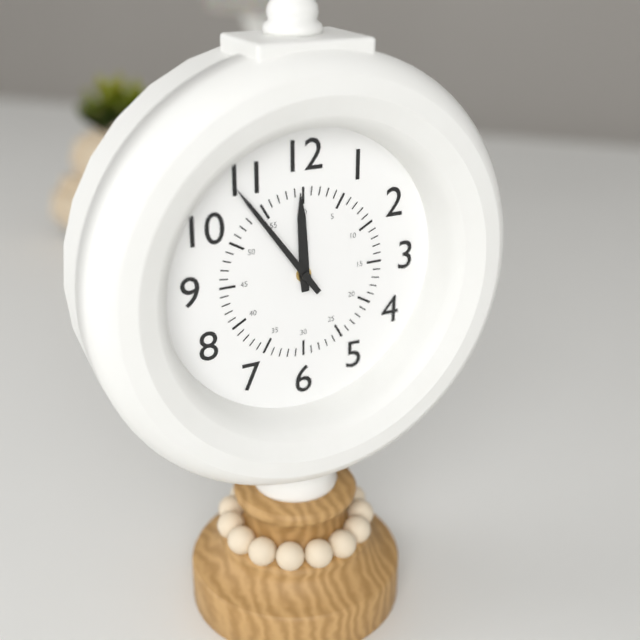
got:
11:54
